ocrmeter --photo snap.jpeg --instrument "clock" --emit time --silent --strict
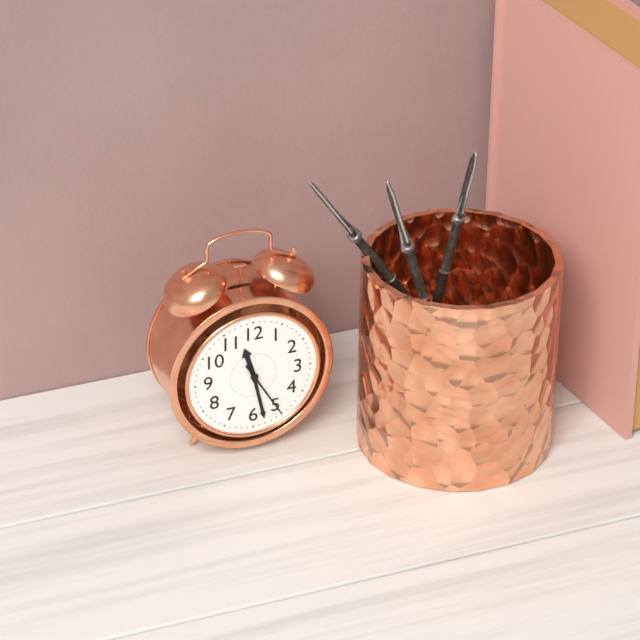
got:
11:28:25
